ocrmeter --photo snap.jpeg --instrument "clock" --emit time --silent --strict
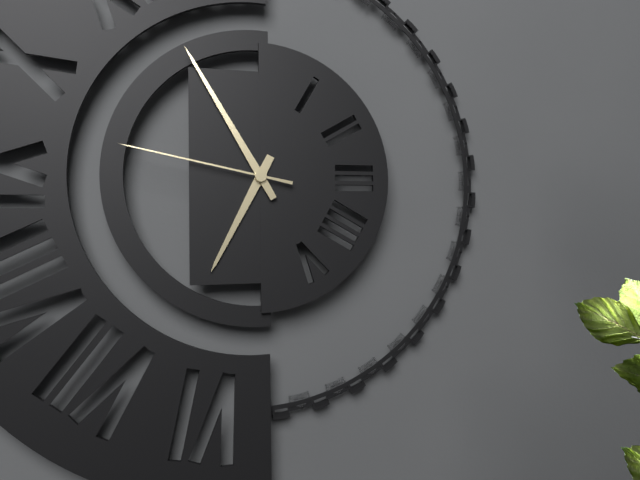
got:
6:55:47
